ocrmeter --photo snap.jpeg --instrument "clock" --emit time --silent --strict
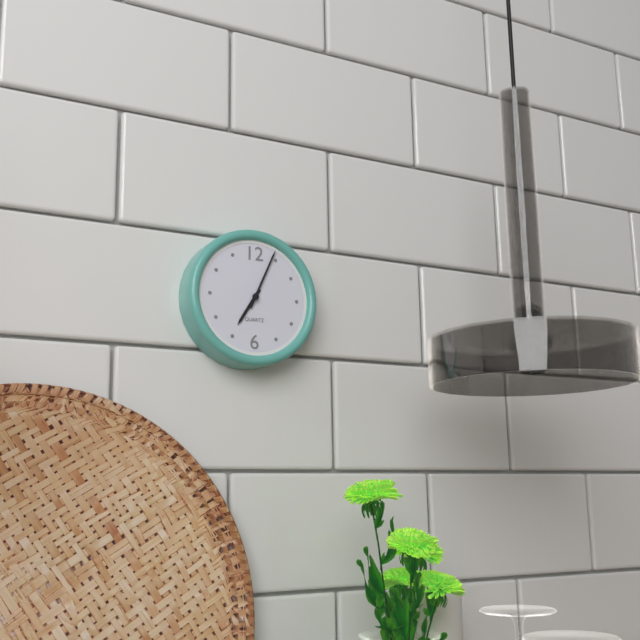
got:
7:04
